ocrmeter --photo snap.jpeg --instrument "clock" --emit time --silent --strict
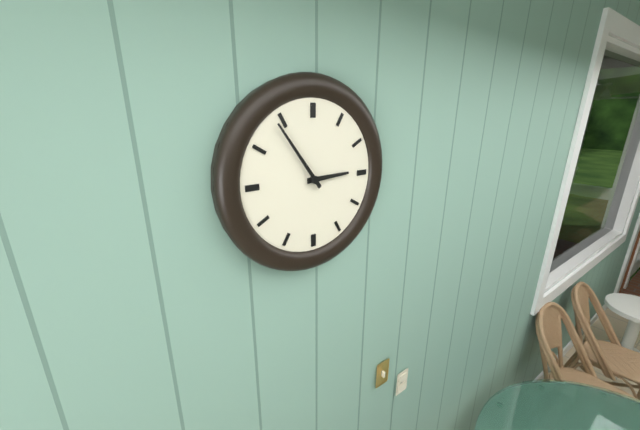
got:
2:54
